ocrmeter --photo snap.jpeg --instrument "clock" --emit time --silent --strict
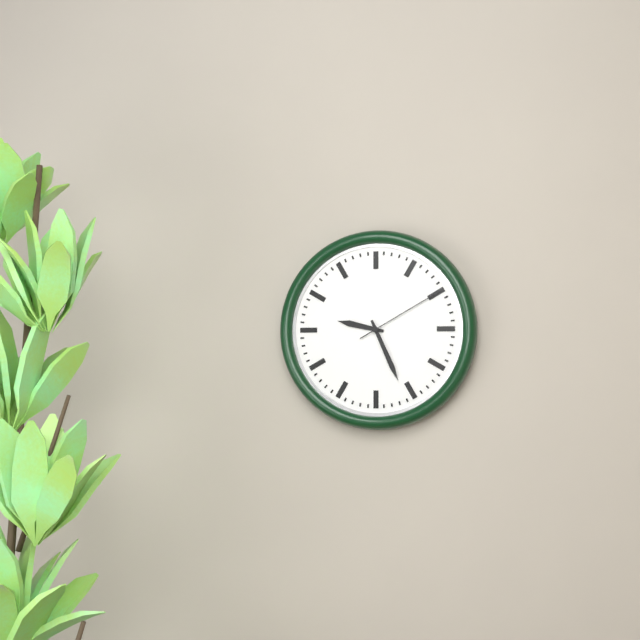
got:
9:26:10
